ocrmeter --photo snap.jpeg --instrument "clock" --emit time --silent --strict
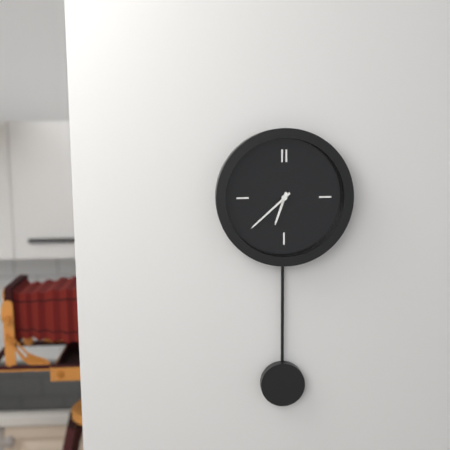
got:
6:38
